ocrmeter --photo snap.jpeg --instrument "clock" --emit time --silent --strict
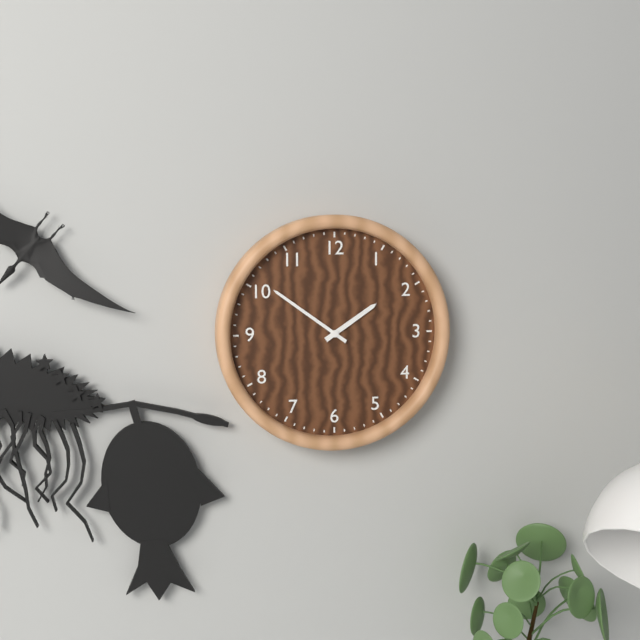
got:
1:51
